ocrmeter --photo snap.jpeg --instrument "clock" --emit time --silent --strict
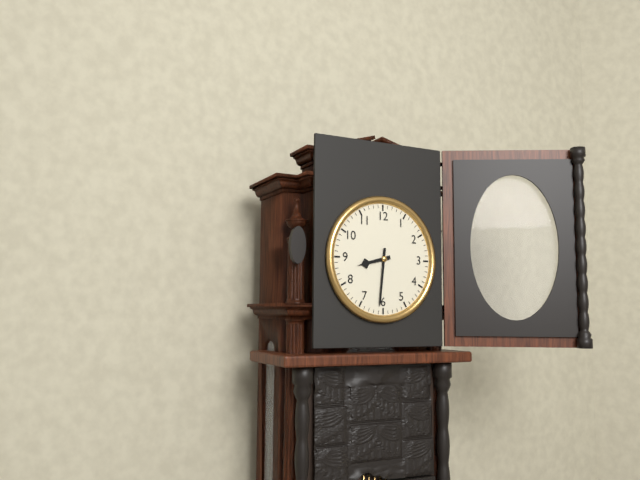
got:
8:31
